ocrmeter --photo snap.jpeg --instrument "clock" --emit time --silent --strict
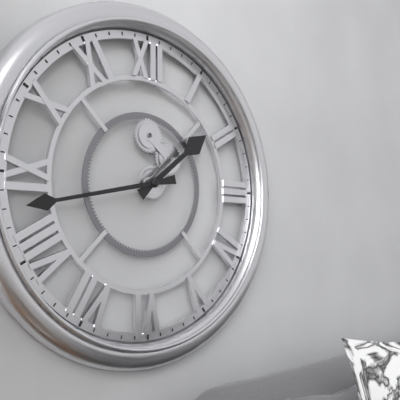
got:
1:43
